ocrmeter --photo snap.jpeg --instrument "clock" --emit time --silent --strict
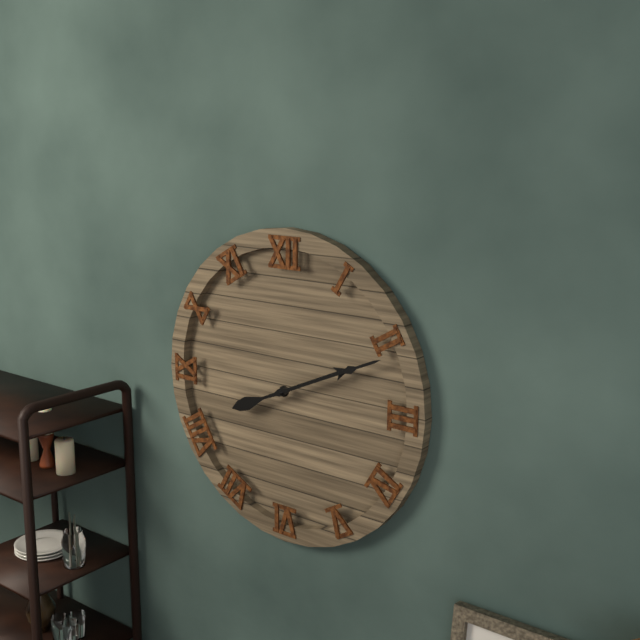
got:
2:11
